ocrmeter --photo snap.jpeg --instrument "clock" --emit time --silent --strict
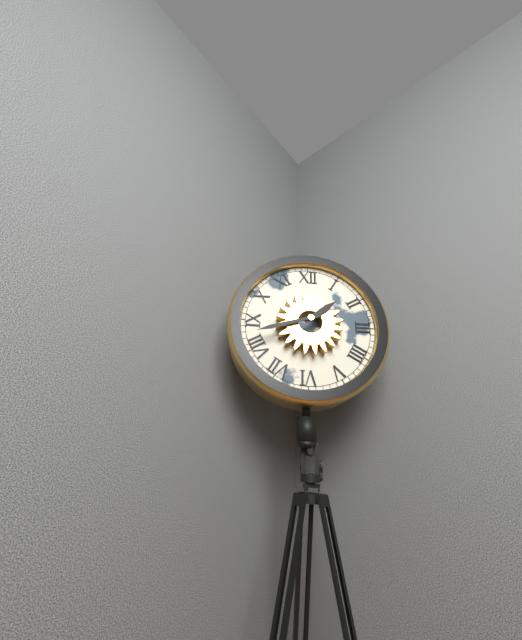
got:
1:42
